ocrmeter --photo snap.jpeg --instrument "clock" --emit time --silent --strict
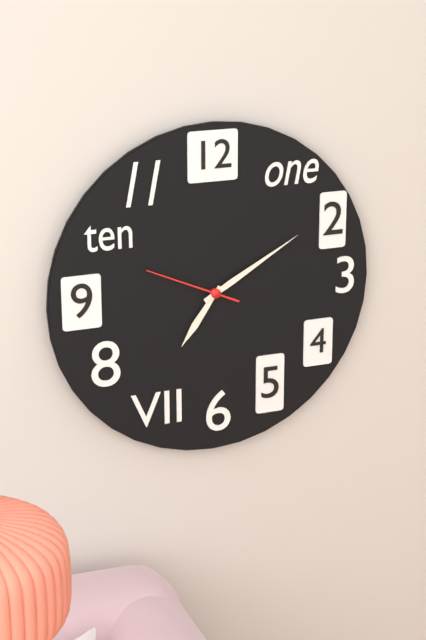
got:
7:10:49
